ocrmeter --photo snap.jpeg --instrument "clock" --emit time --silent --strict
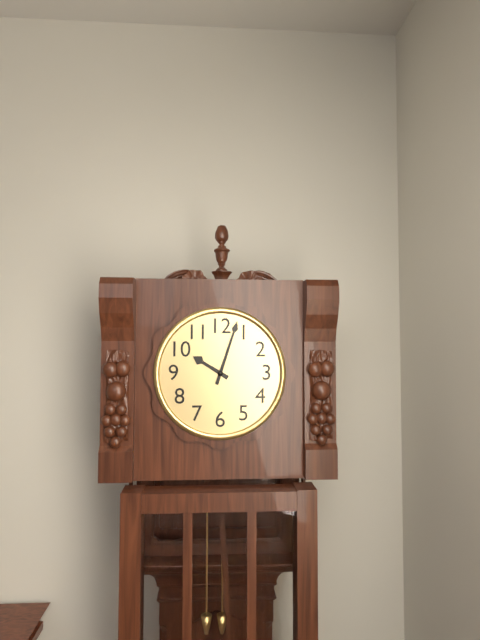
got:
10:03
